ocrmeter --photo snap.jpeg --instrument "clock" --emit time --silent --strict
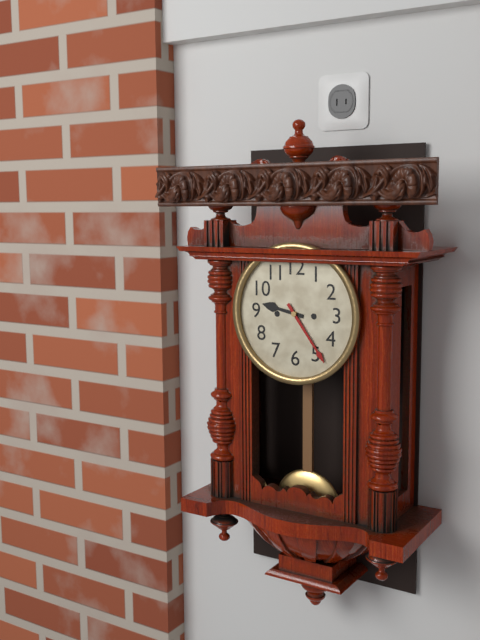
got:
9:24
